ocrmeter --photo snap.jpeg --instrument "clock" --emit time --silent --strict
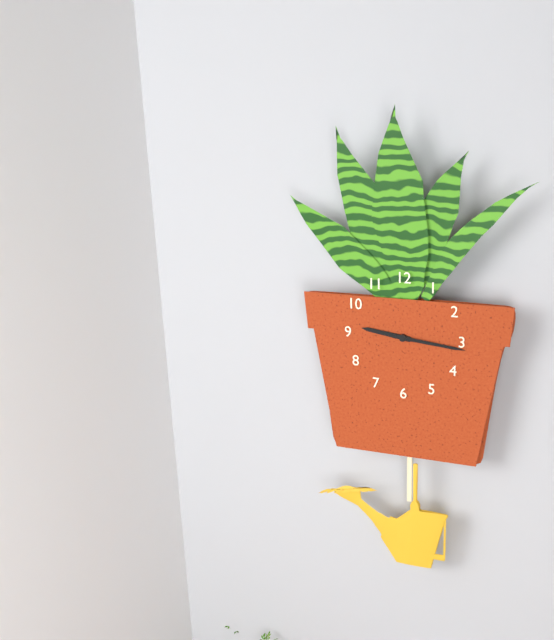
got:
9:16
